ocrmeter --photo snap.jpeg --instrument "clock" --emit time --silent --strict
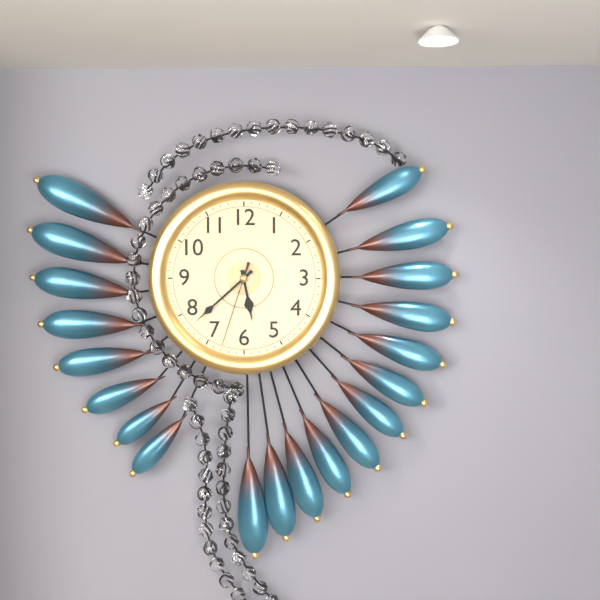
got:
5:38:33
